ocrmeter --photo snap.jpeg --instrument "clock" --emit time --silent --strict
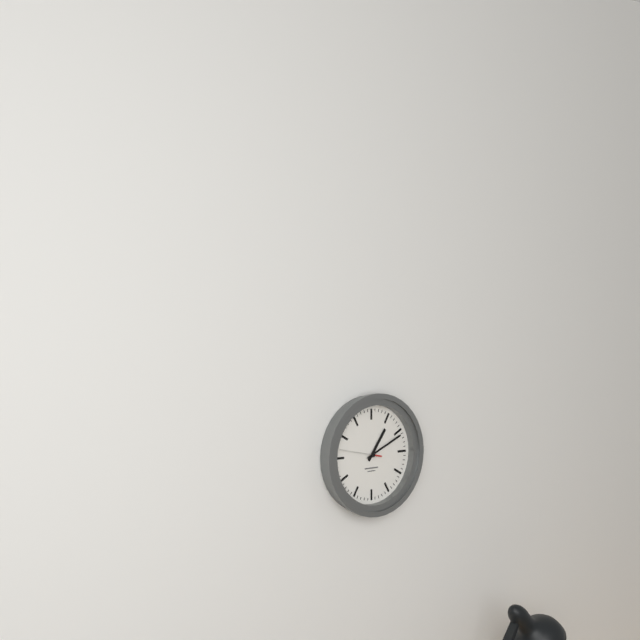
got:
1:11
